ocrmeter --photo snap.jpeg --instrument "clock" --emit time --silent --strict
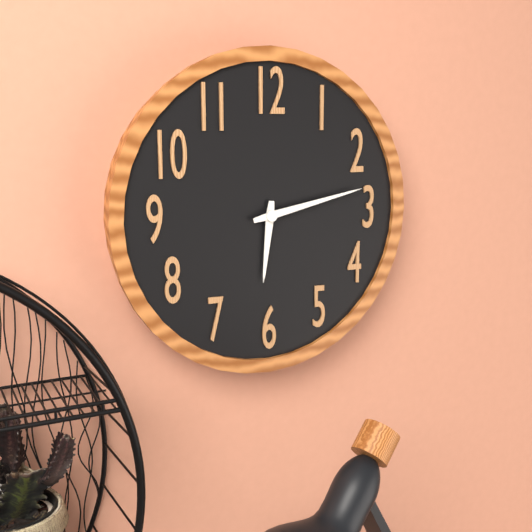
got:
6:13
